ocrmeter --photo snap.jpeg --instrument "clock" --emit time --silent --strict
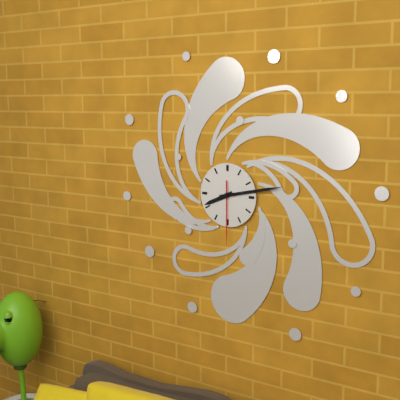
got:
8:13:30
